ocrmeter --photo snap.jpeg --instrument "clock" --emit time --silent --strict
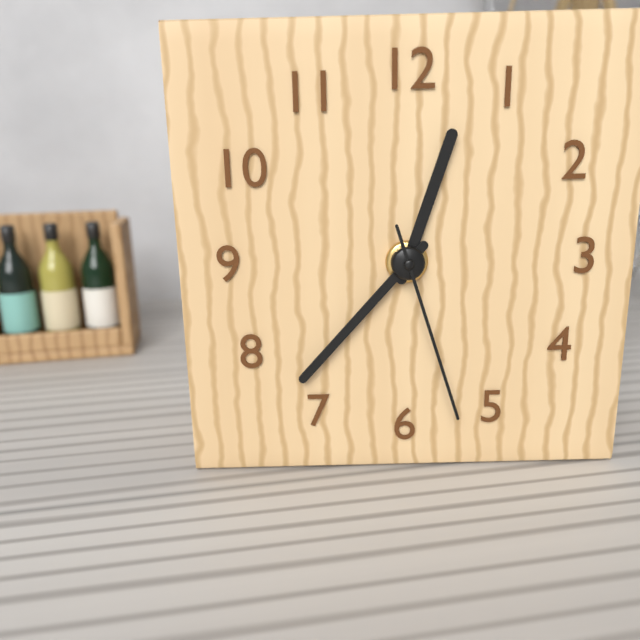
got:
12:37:27
